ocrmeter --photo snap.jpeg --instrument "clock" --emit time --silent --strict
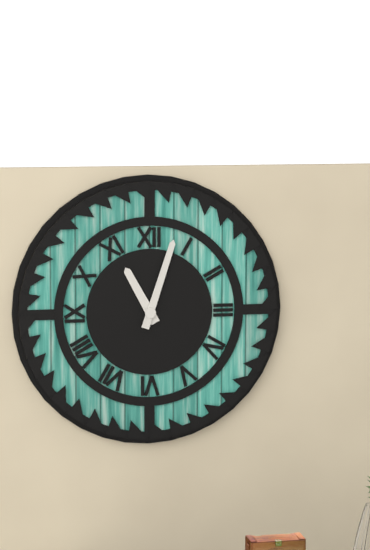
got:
11:03
